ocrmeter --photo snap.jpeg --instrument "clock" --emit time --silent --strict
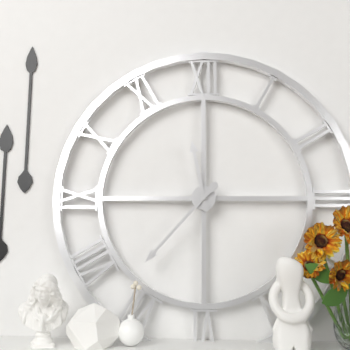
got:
11:37
